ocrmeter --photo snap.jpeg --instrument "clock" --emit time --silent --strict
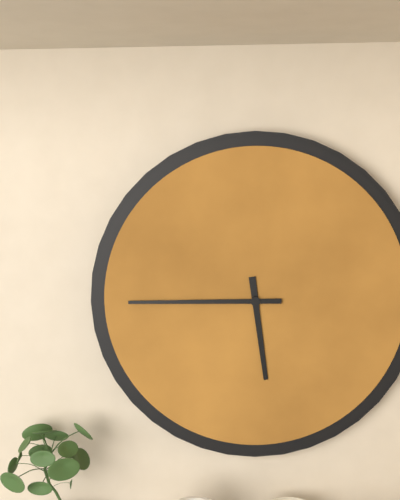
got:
5:45
